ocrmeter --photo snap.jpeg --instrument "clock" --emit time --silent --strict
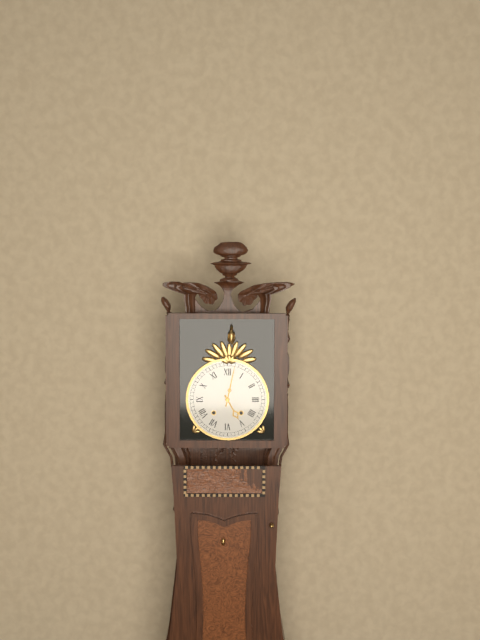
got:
5:02
